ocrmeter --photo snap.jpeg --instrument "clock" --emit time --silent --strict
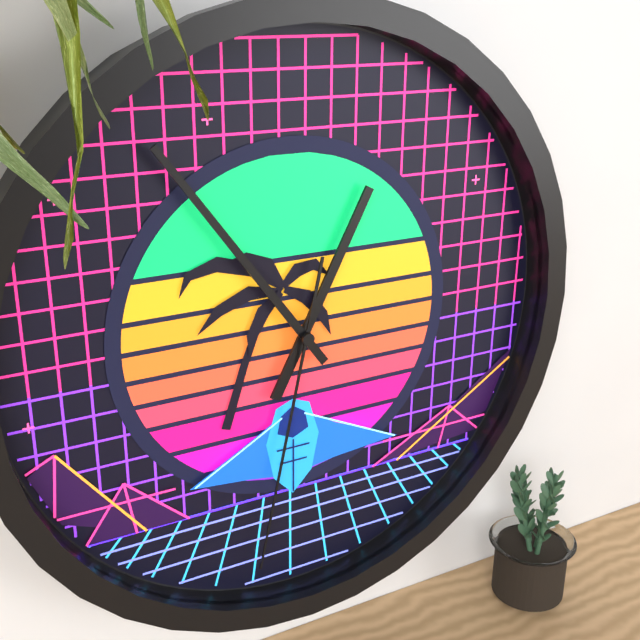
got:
12:54:32
